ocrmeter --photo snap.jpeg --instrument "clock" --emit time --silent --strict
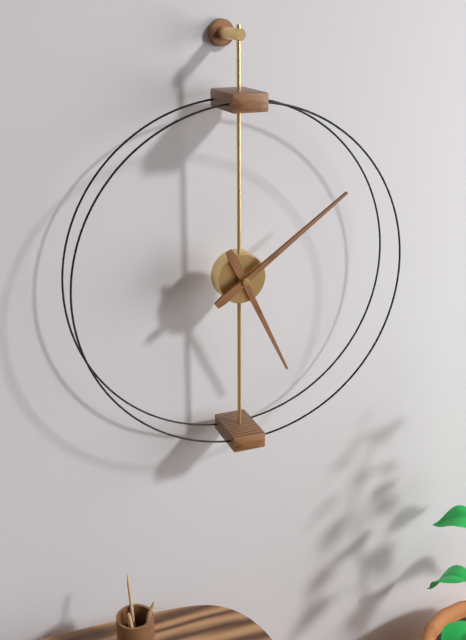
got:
5:09
